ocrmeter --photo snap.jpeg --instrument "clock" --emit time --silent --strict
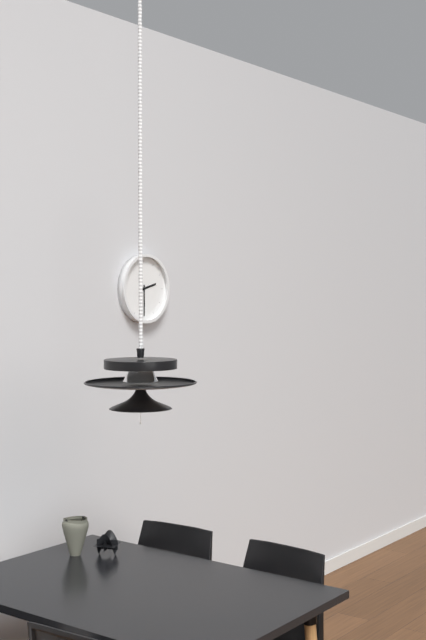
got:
2:30
